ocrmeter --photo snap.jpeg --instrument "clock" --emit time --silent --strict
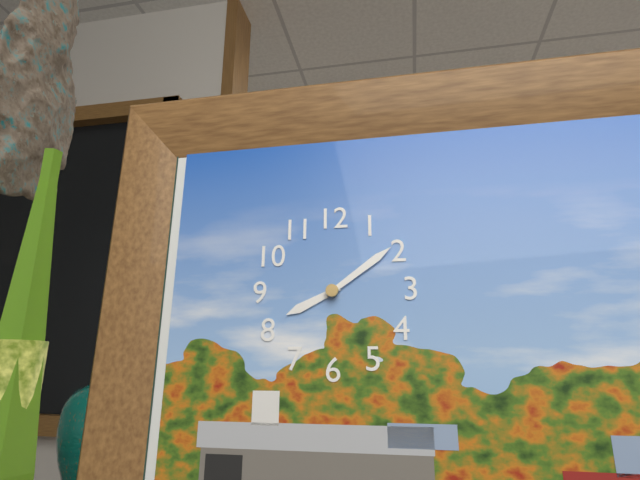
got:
8:09
